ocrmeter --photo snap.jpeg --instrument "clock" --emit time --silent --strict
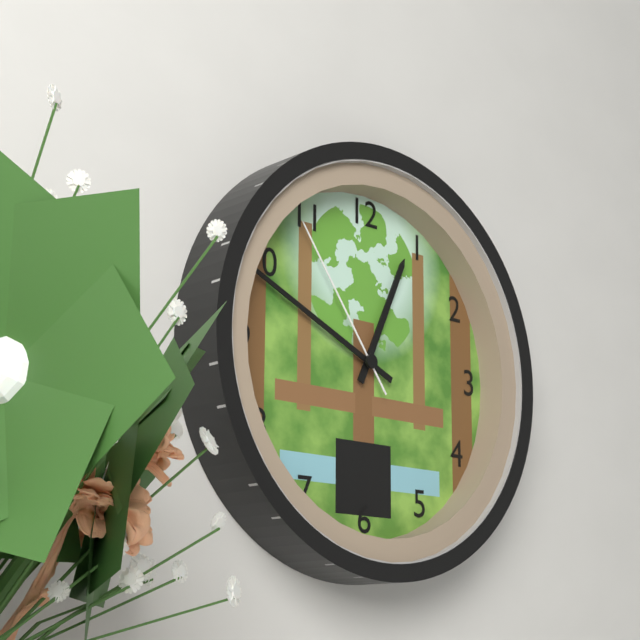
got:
12:49:54
